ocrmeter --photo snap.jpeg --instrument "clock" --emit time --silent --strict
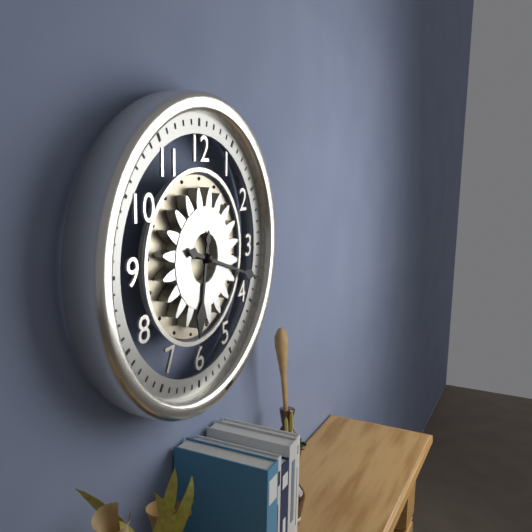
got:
6:18
